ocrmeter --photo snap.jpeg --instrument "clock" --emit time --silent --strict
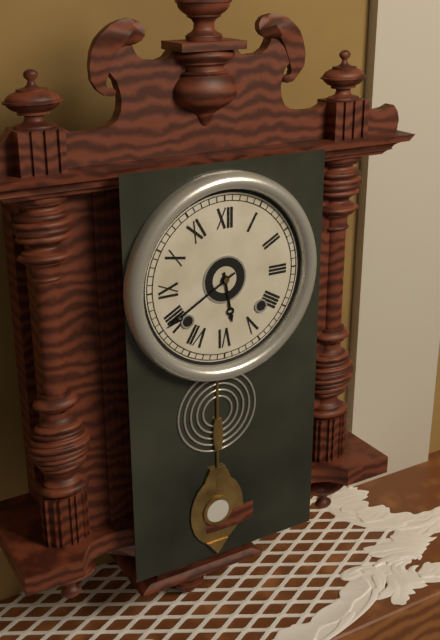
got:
5:40
